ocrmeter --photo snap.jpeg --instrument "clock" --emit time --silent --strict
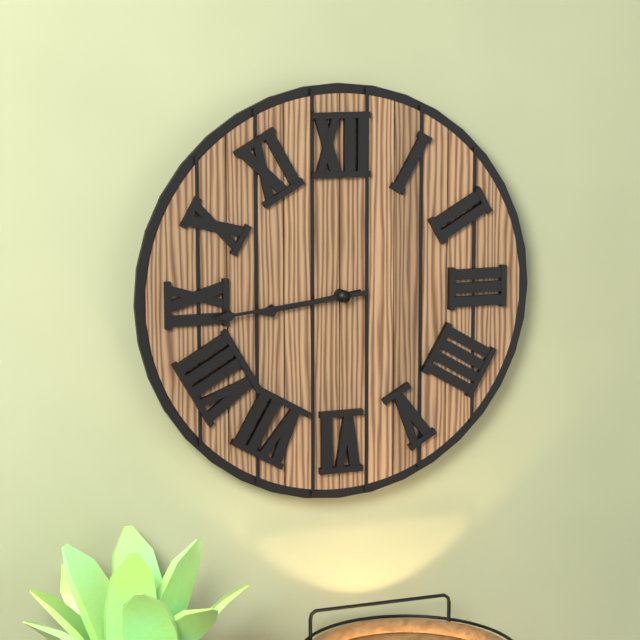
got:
8:44
